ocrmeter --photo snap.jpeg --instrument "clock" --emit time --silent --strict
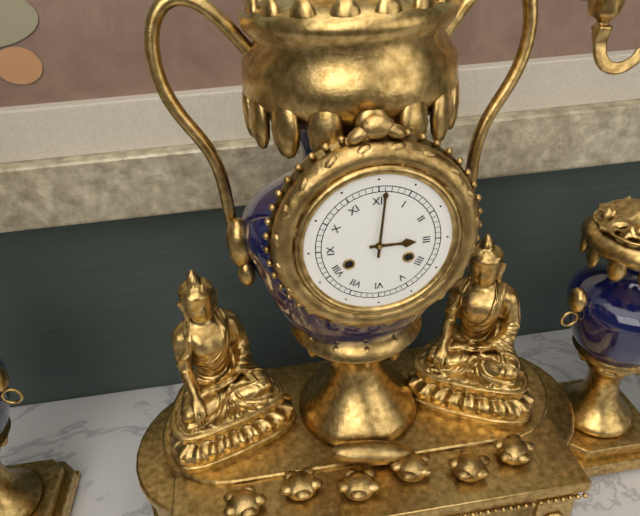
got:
3:01
